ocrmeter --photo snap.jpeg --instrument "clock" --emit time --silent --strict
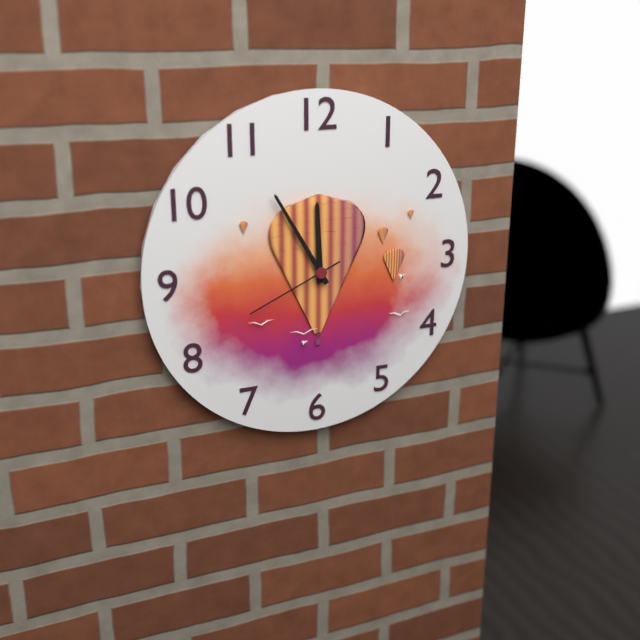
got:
11:55:41
